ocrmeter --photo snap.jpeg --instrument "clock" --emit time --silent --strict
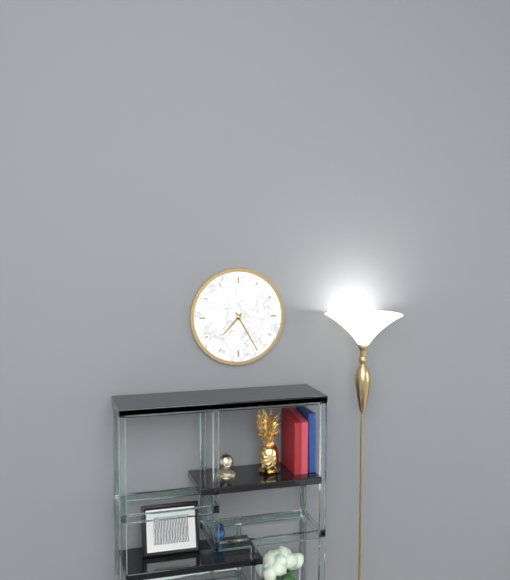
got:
7:25
